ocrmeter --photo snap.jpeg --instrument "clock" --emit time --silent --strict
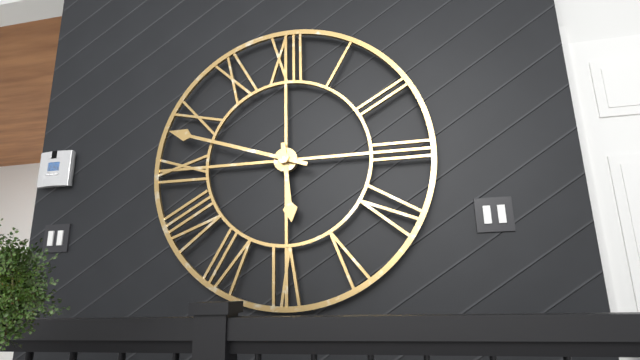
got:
5:48
